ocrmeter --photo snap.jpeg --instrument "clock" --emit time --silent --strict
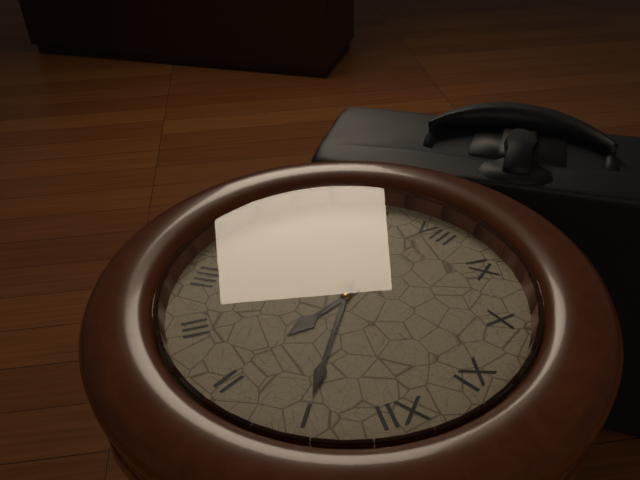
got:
2:05
